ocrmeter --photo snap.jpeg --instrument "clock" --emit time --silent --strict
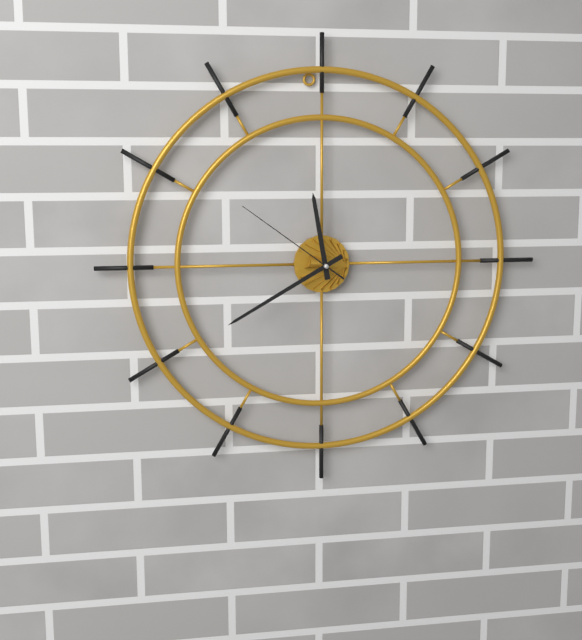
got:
11:40:51
